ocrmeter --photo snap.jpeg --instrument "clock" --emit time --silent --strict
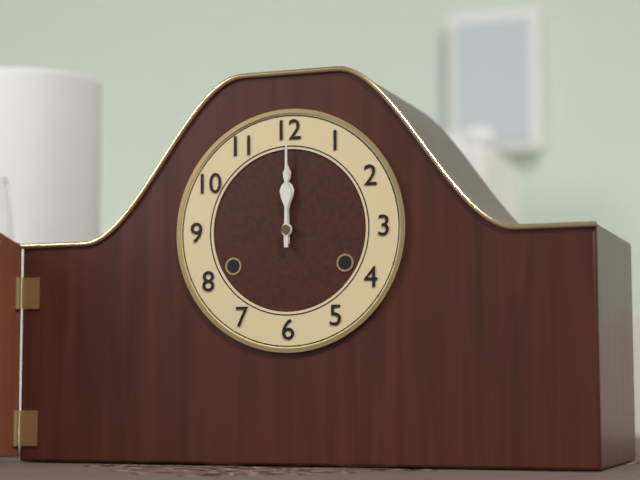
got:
12:00
